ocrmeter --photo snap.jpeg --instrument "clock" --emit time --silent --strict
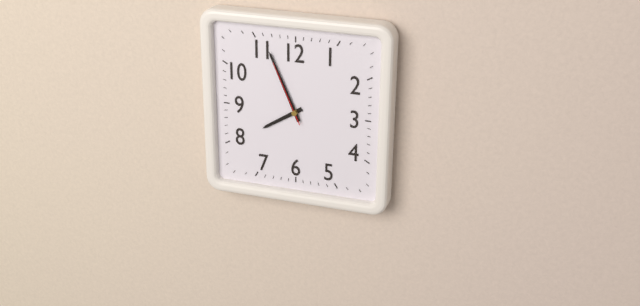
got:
7:56:56
